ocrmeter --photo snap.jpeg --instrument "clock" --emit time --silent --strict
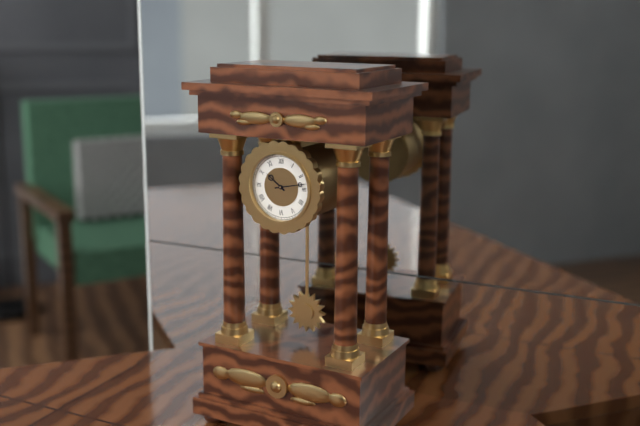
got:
10:13
